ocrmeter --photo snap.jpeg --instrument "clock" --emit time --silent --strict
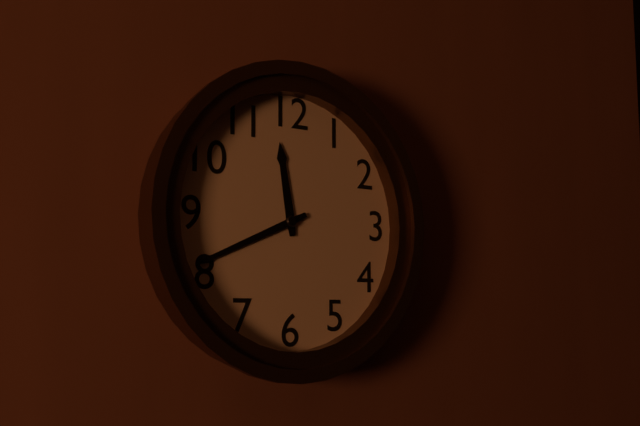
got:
11:41
